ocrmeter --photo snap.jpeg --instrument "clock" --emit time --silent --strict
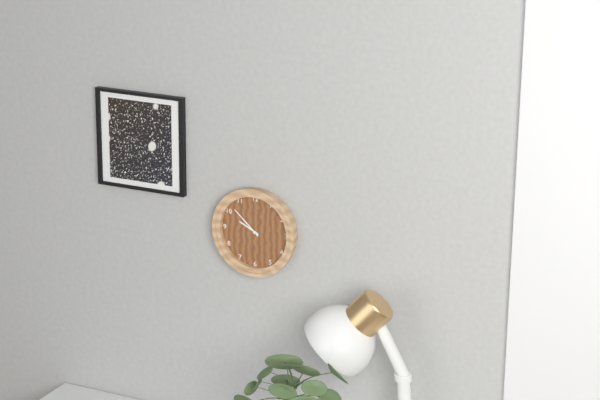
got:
9:52
